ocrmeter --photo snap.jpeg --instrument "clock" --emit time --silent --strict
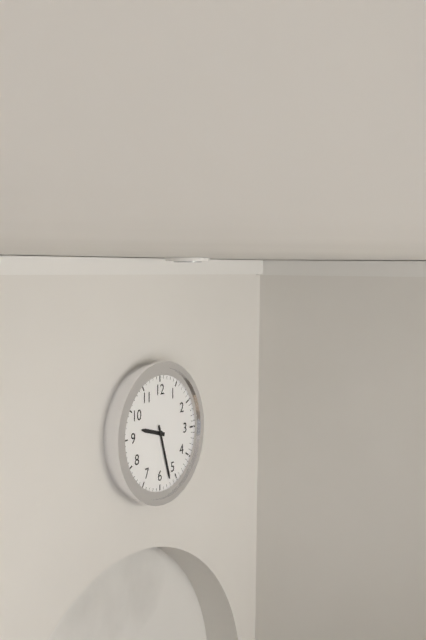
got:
9:27
